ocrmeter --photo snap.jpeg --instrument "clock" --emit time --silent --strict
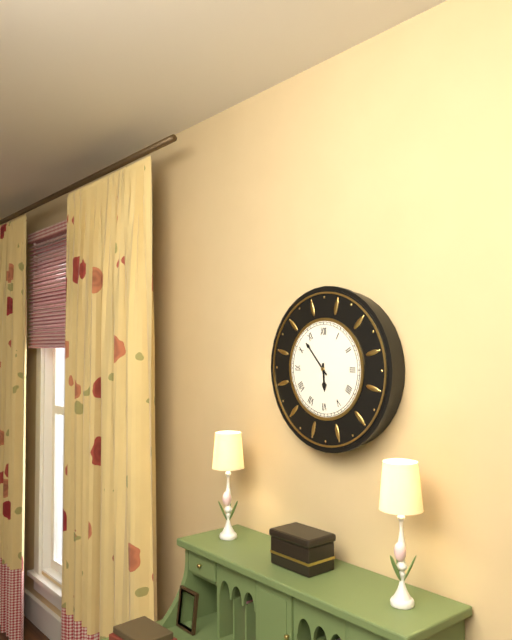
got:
5:53
